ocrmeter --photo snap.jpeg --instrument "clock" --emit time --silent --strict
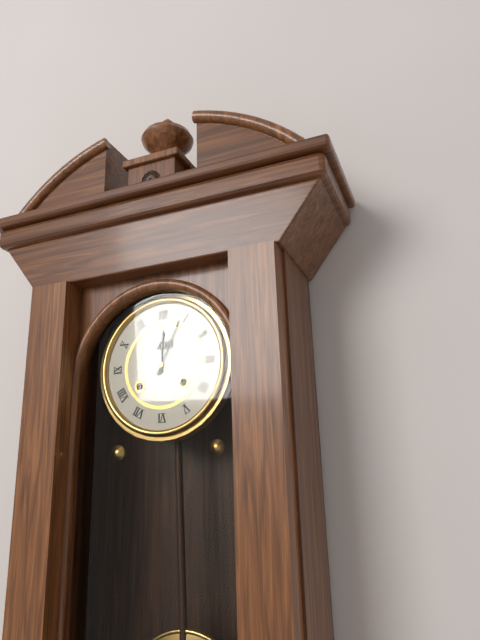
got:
12:04
